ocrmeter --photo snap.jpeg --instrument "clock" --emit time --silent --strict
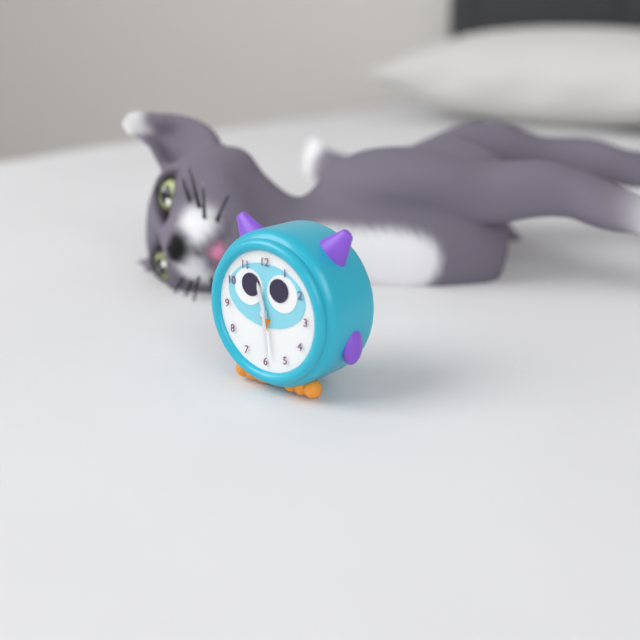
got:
11:29
